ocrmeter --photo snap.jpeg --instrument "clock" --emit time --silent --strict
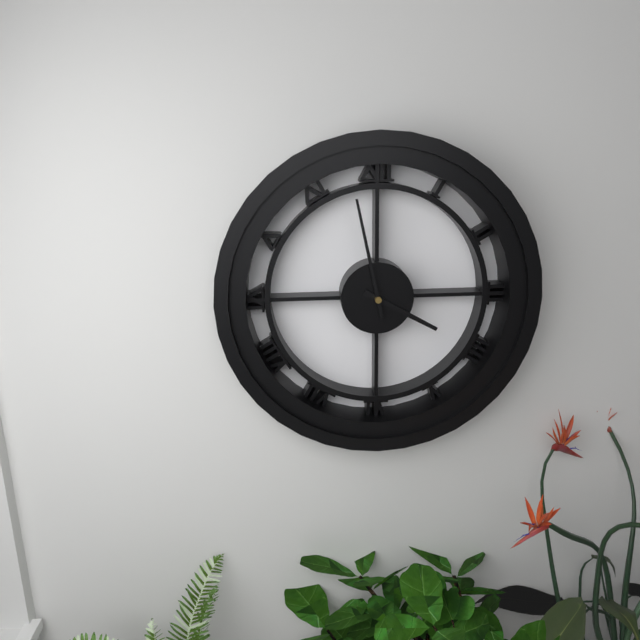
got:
3:58
